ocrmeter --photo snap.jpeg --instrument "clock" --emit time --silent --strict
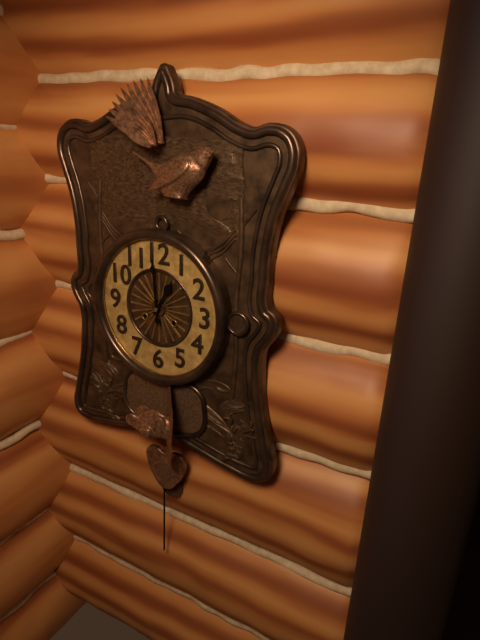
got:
12:59
